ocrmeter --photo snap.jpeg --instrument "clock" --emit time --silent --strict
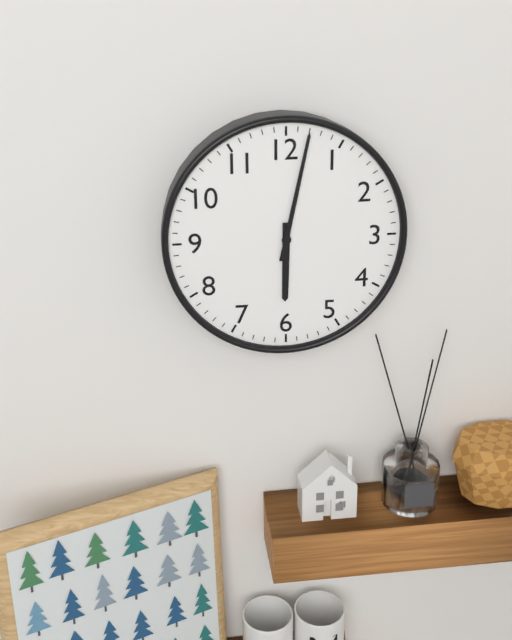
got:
6:02
